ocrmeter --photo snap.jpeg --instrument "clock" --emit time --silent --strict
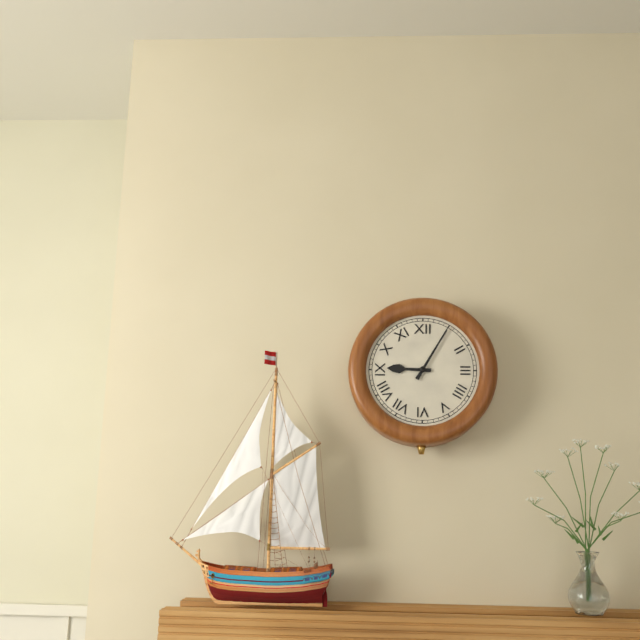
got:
9:05
